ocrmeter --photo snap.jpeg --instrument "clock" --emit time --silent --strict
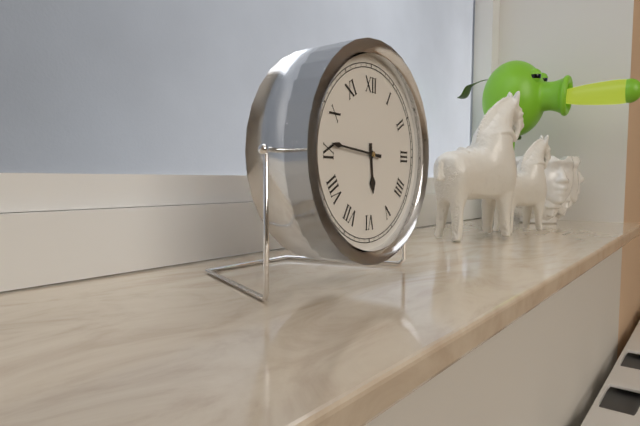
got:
5:46
